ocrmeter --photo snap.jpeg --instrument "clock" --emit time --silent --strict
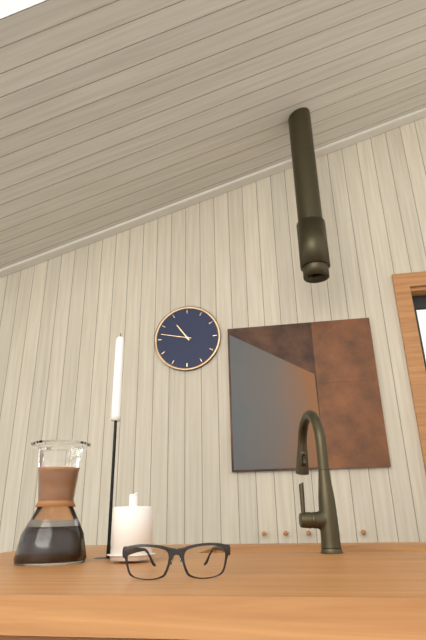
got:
10:47
